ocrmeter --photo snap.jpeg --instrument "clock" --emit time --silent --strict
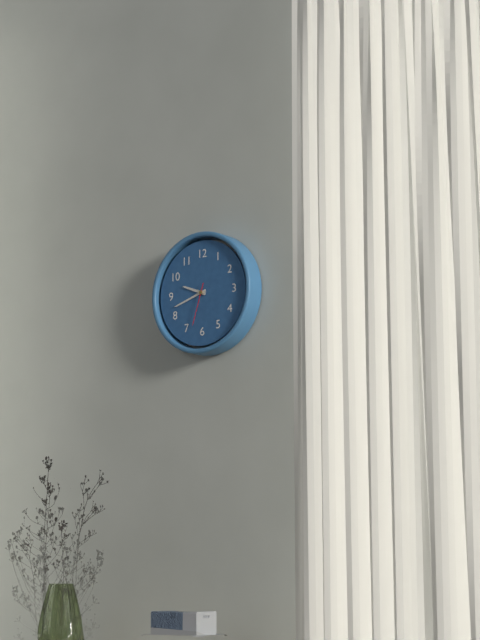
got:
9:42
